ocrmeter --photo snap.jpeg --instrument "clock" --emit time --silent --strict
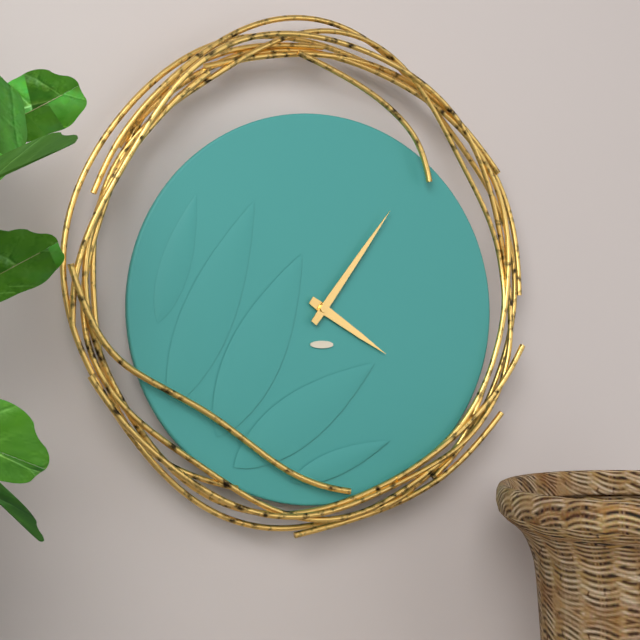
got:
4:06
